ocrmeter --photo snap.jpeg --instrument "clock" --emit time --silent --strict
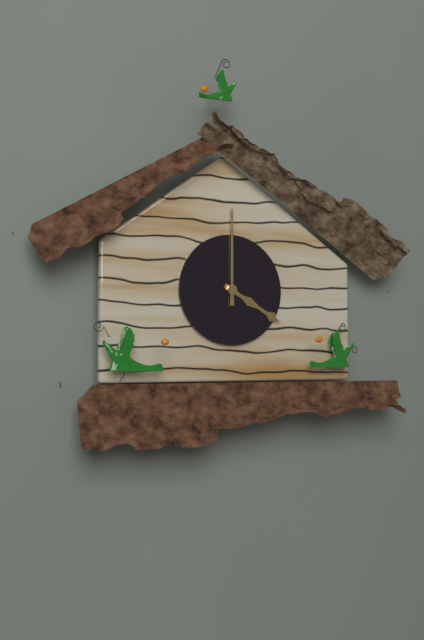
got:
4:00
